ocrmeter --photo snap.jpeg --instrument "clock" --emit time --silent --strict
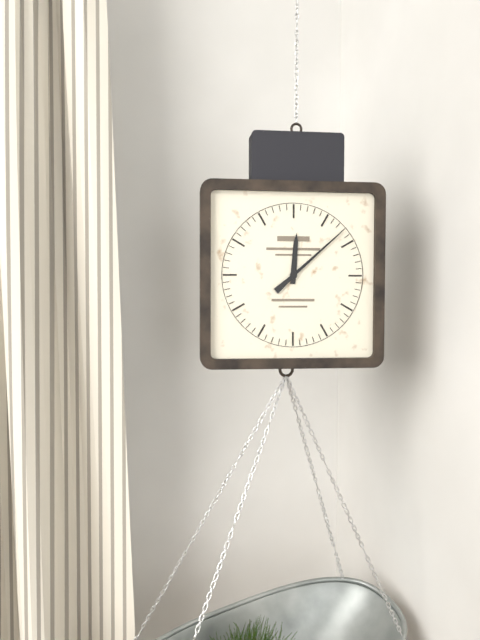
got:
12:08
